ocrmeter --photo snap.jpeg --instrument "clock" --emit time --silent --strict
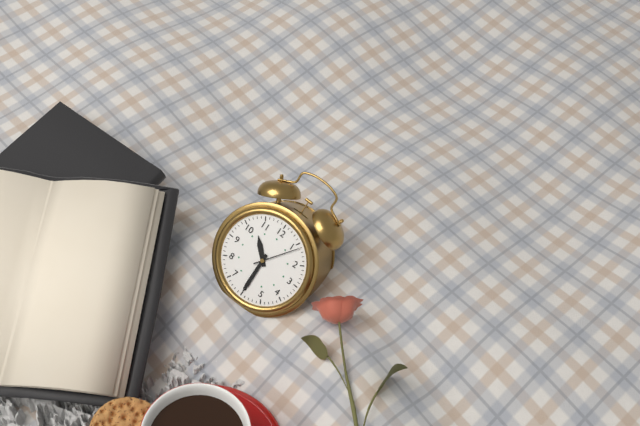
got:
10:30
